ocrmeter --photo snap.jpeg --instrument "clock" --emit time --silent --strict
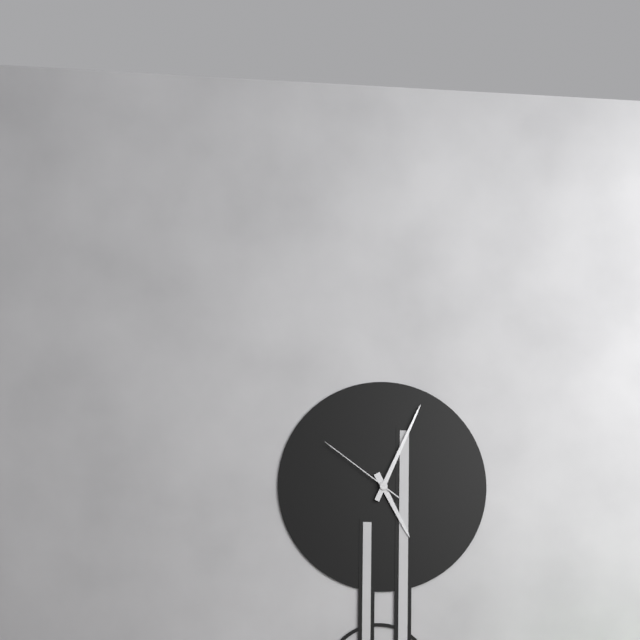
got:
5:04:51
